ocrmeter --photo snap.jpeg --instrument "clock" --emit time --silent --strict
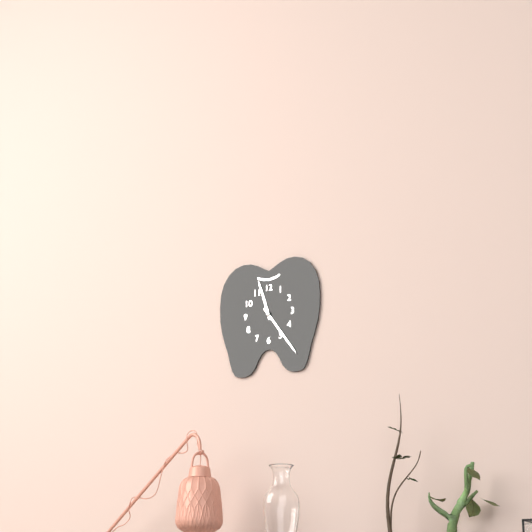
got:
11:24
